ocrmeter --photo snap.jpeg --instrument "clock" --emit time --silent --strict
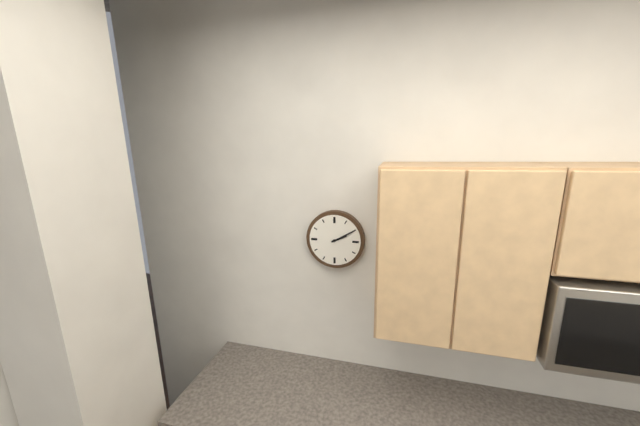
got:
2:10
